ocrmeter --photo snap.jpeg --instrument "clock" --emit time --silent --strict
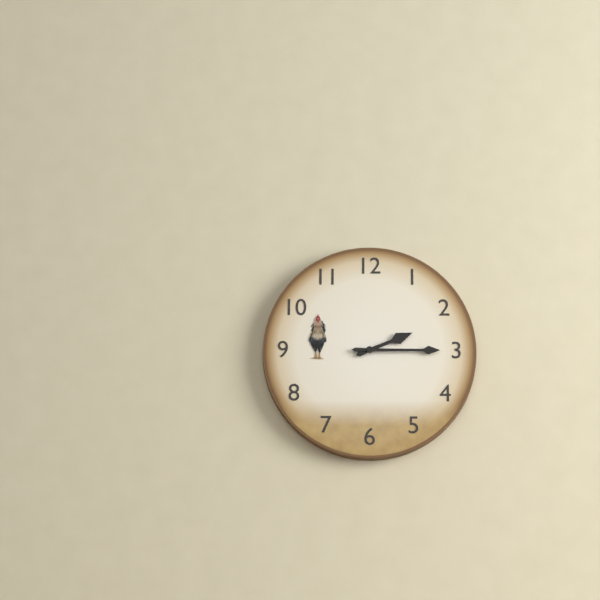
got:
2:15
